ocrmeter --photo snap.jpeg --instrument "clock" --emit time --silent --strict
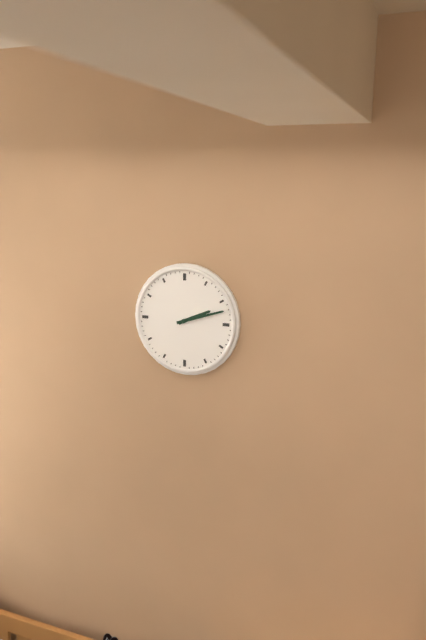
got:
2:12
